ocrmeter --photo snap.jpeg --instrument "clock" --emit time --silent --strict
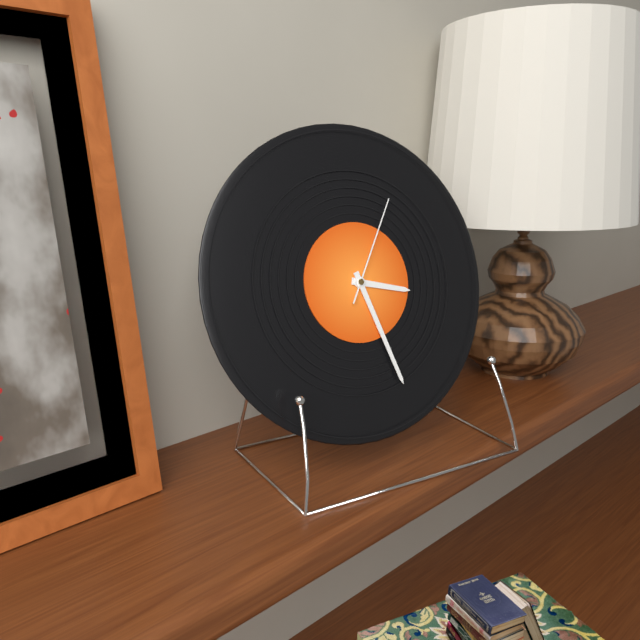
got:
3:27:05
